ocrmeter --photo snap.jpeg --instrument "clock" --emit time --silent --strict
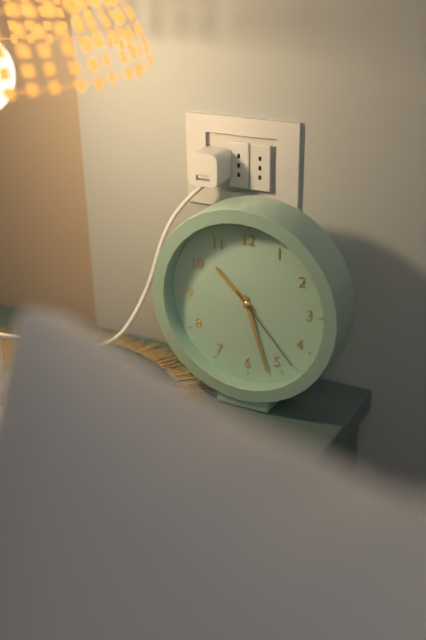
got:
10:27:23
